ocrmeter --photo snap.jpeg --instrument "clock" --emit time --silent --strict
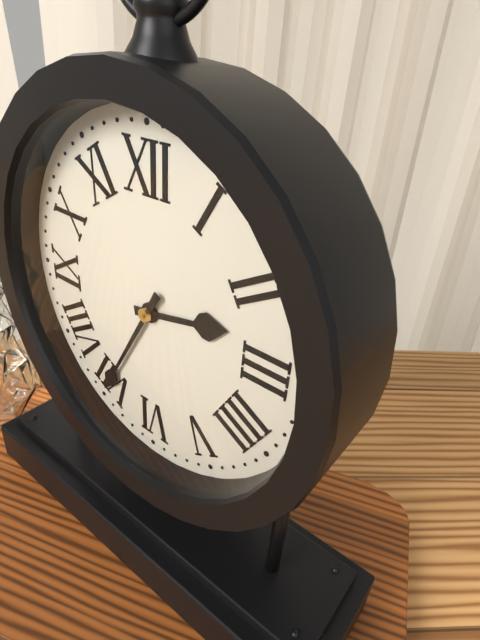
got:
2:35
